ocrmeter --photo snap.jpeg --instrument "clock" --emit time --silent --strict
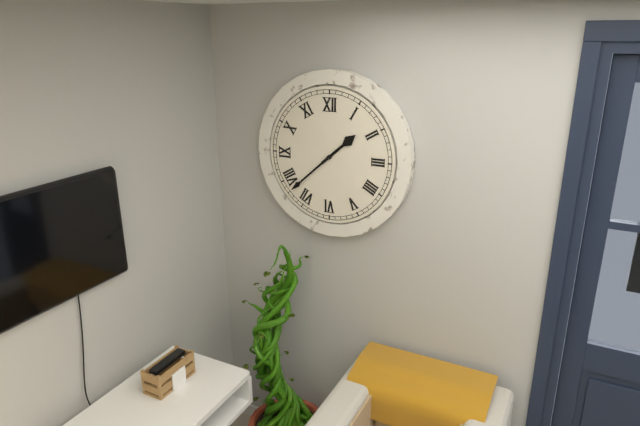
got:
1:38
